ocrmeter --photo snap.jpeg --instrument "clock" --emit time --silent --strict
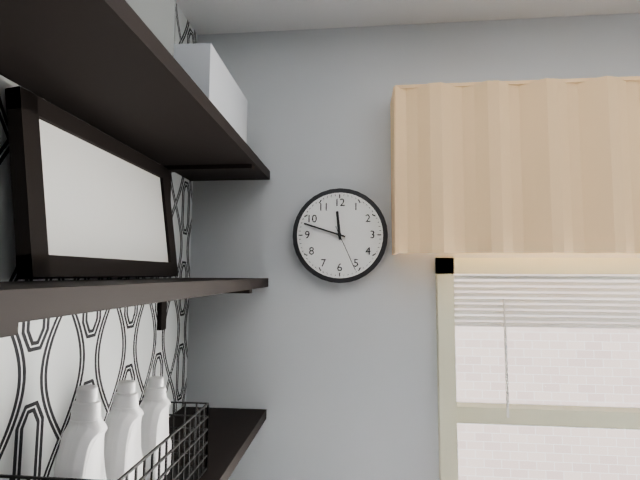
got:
11:48
